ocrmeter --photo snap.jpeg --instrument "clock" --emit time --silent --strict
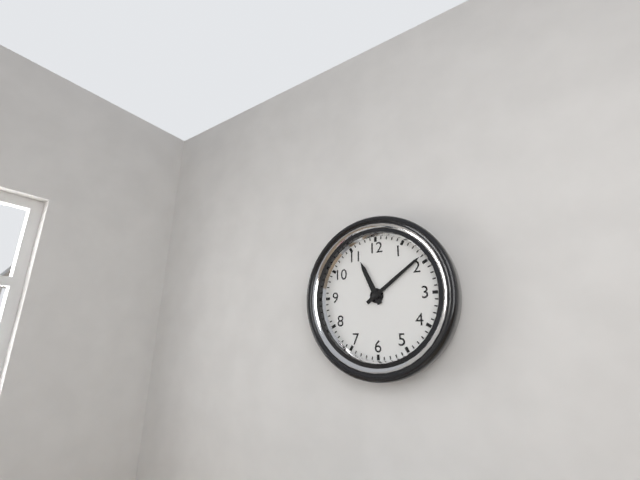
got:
11:09
